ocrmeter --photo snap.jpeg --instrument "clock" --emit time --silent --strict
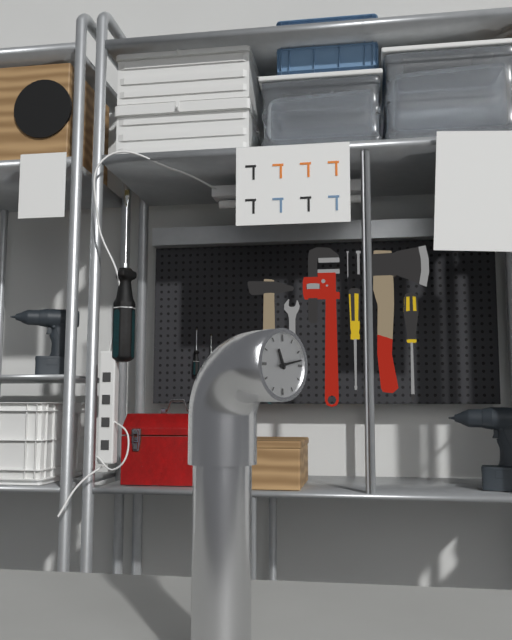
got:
11:13
